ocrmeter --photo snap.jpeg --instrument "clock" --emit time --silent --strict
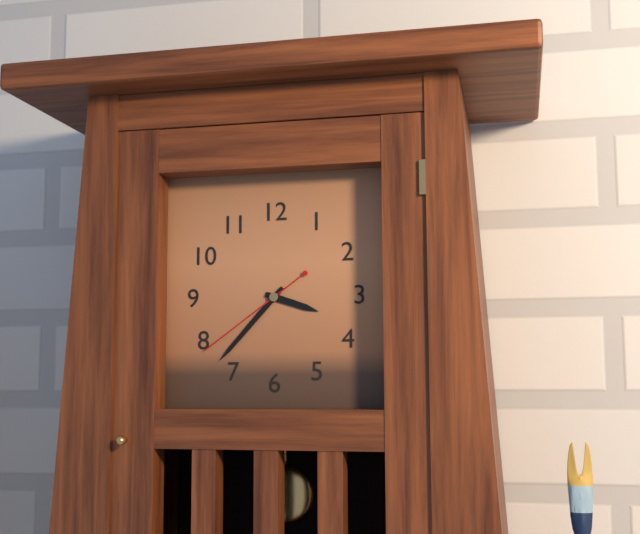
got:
3:37:39
